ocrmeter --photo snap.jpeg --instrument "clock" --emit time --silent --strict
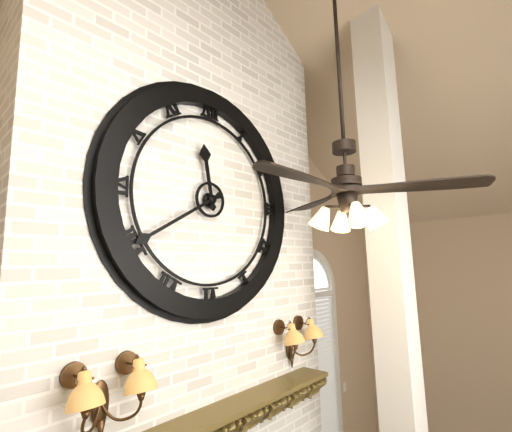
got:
11:40
